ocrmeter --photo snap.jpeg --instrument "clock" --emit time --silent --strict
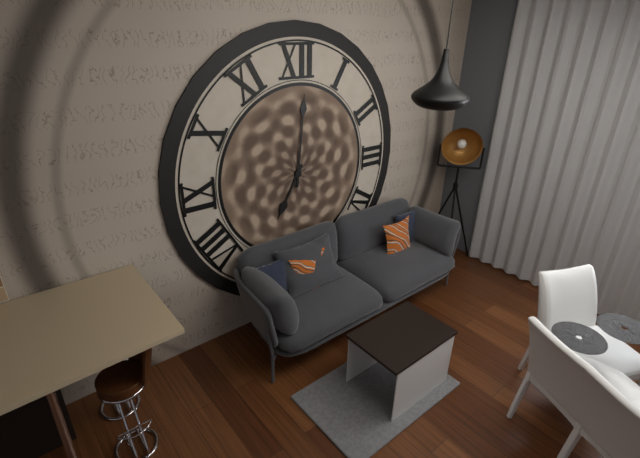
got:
7:01
